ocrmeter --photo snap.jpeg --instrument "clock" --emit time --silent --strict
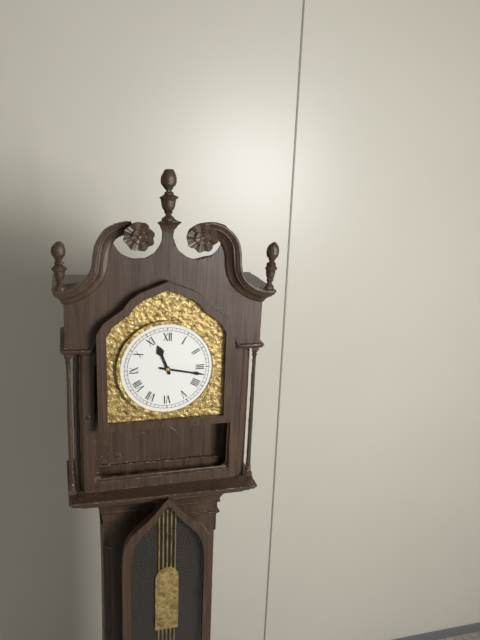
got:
11:17
